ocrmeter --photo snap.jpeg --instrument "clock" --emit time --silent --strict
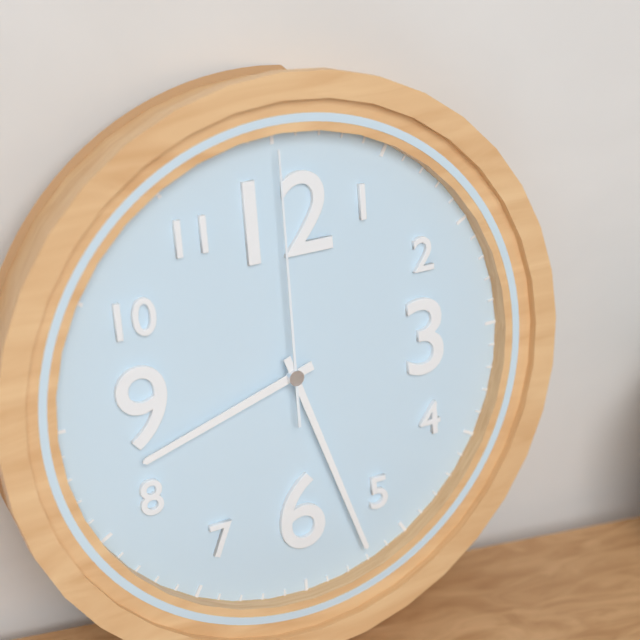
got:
8:27:00
